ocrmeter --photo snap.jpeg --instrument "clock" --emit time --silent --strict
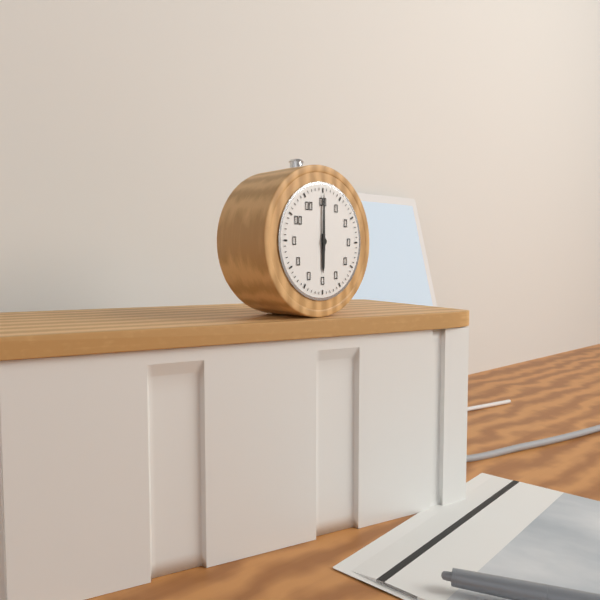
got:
6:00
